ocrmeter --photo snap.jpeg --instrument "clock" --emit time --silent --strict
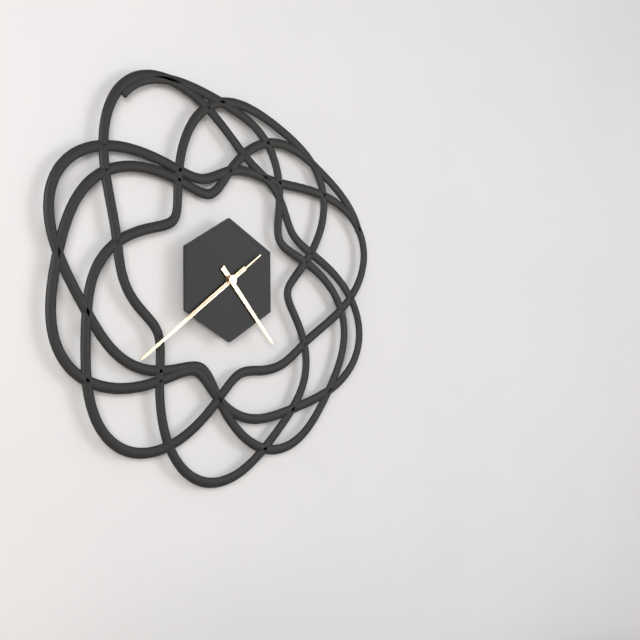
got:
4:39:39
